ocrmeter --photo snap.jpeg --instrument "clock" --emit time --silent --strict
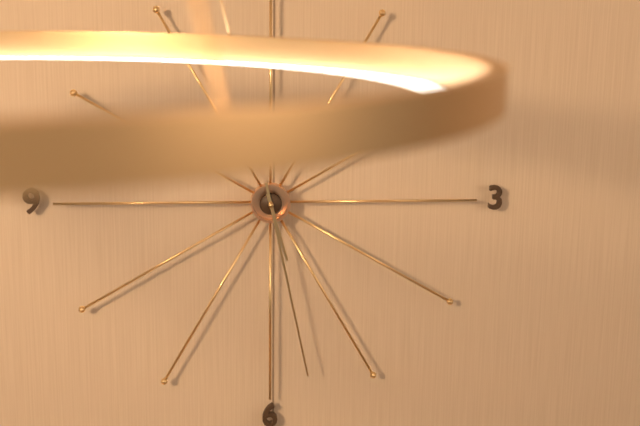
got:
5:28
